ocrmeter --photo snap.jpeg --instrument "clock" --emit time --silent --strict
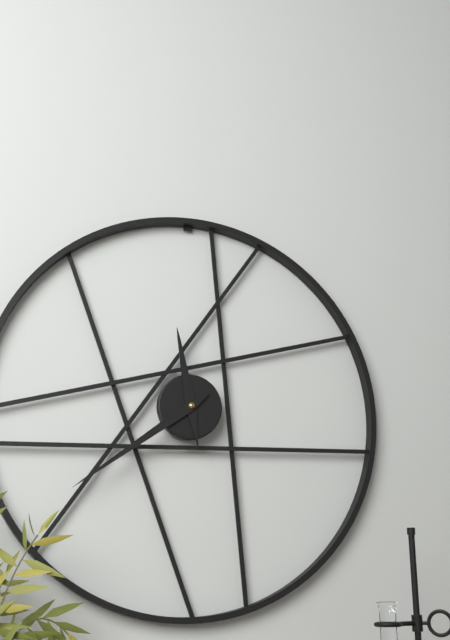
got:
11:39
